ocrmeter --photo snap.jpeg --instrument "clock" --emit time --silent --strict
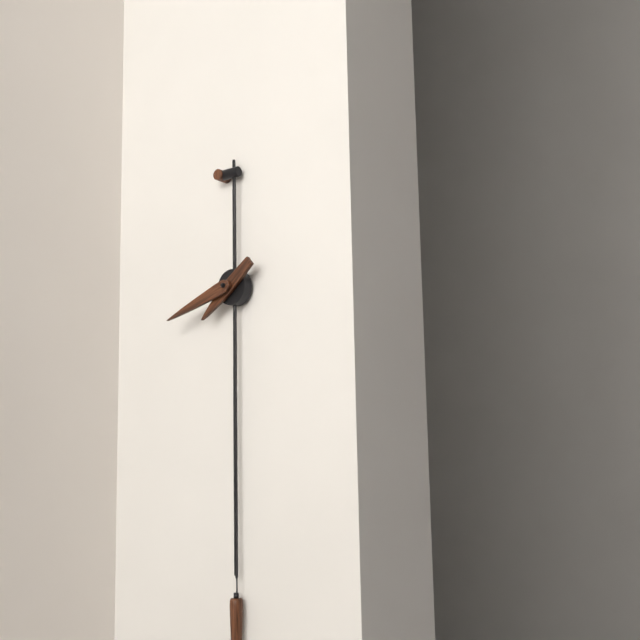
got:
7:42
